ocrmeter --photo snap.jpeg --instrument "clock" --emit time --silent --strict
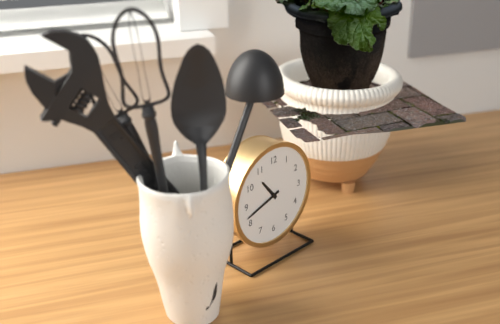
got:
10:42
